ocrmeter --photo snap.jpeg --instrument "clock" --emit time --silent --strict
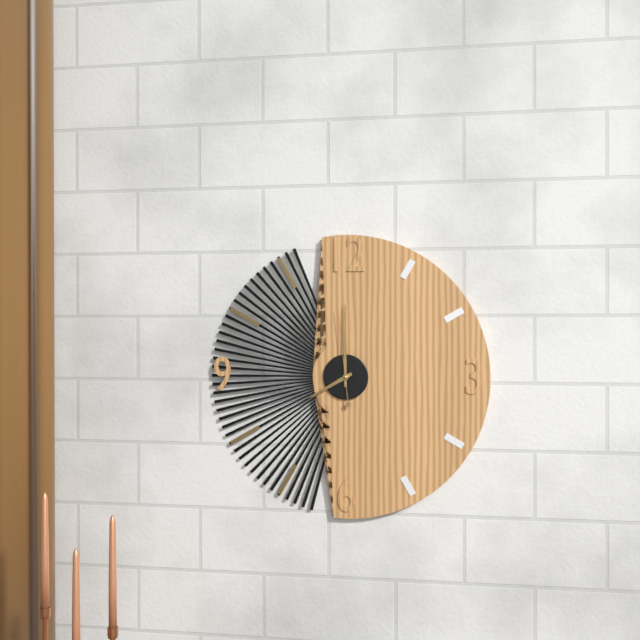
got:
8:00:59
